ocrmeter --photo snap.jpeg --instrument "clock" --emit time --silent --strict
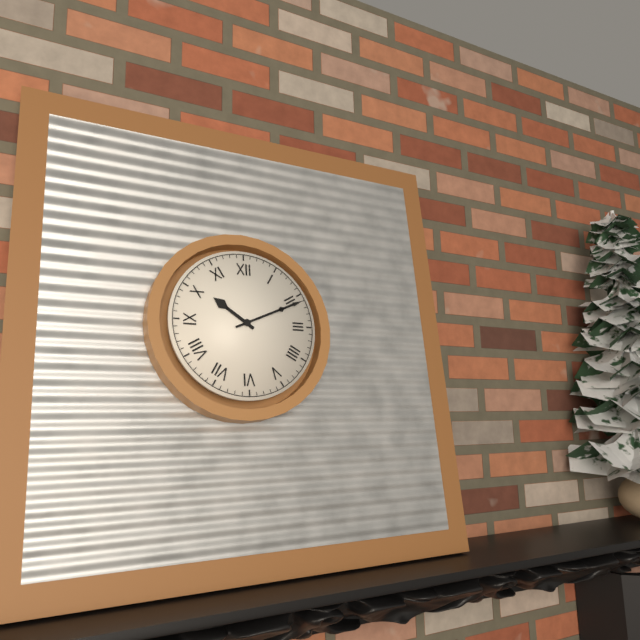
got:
10:11
